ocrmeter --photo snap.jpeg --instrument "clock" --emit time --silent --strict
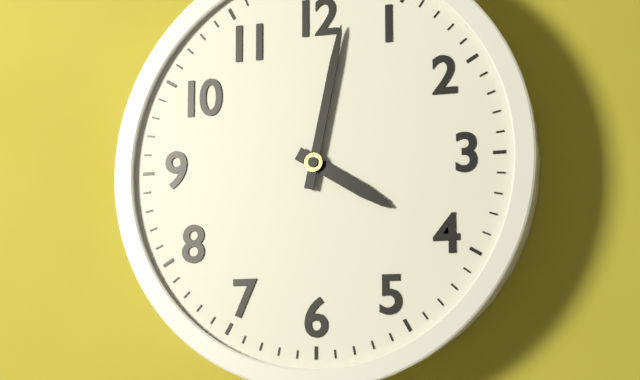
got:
4:02
